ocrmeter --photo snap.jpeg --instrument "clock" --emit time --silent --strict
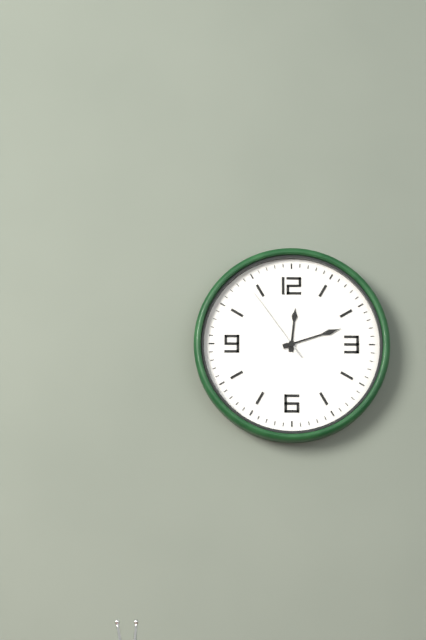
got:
12:12:54
